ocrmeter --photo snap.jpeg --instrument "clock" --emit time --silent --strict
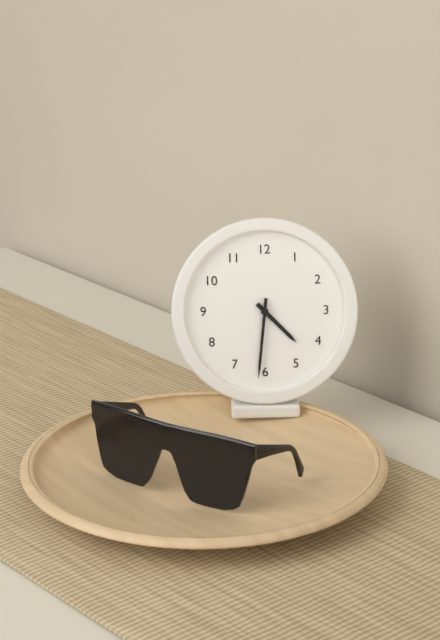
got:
4:31
